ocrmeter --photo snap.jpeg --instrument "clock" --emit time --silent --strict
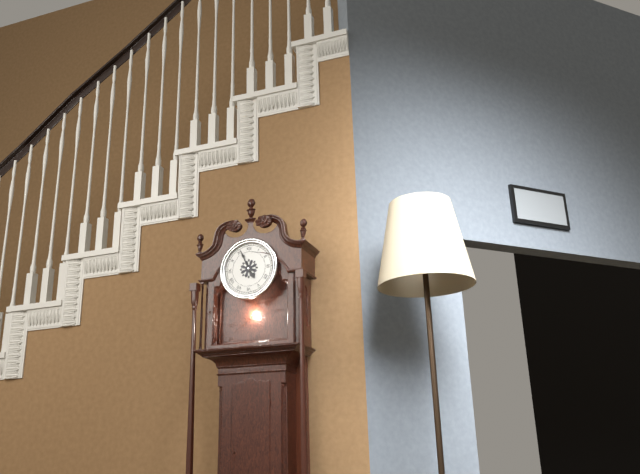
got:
4:56
